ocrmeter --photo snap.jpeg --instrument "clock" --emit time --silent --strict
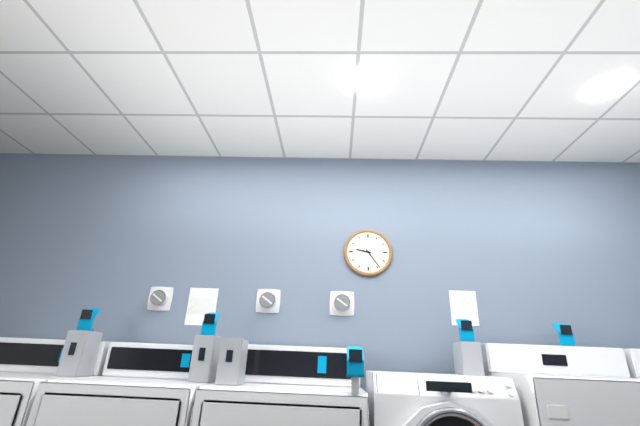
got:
9:24
